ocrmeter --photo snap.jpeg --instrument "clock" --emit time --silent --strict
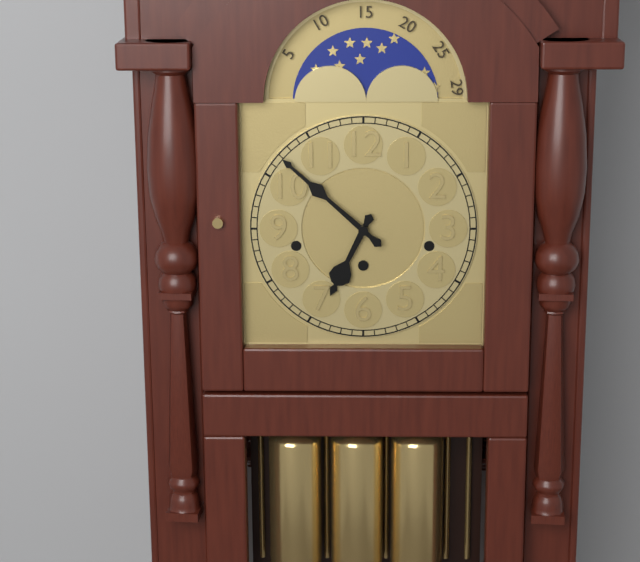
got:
6:52
